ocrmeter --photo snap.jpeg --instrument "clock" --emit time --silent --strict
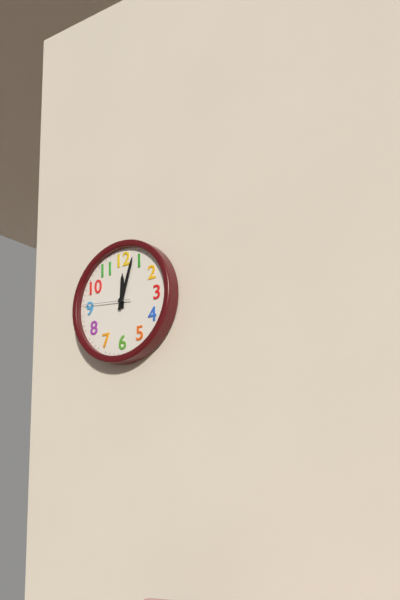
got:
12:03
